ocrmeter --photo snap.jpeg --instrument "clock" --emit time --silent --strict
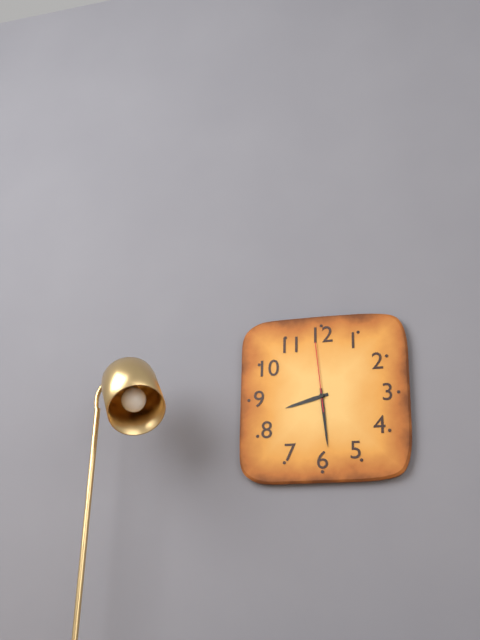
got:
8:29:59
